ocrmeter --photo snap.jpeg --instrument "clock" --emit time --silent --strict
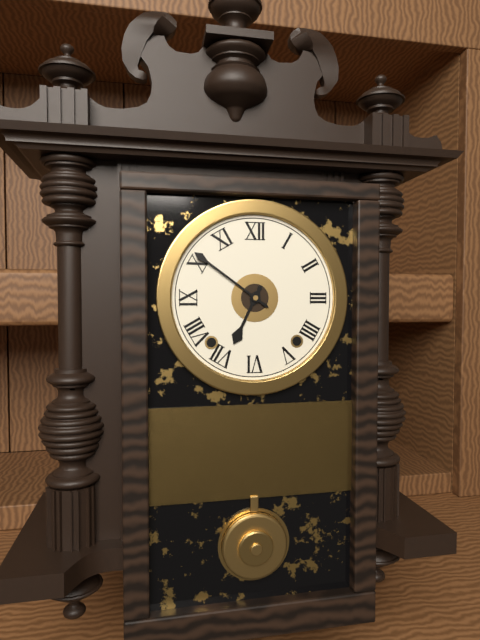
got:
6:51
